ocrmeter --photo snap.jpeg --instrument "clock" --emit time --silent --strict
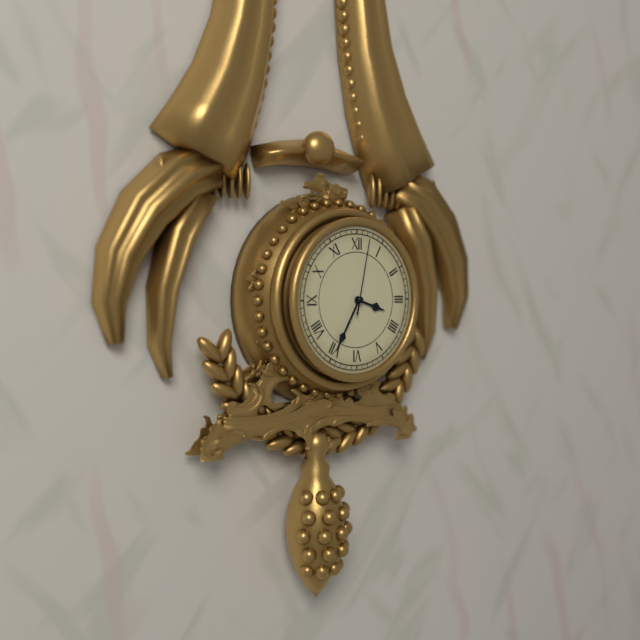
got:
3:35:02
